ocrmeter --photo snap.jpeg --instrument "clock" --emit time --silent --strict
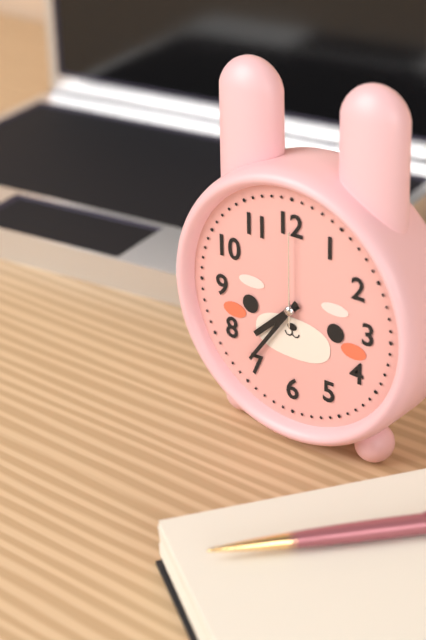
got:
7:36:00
